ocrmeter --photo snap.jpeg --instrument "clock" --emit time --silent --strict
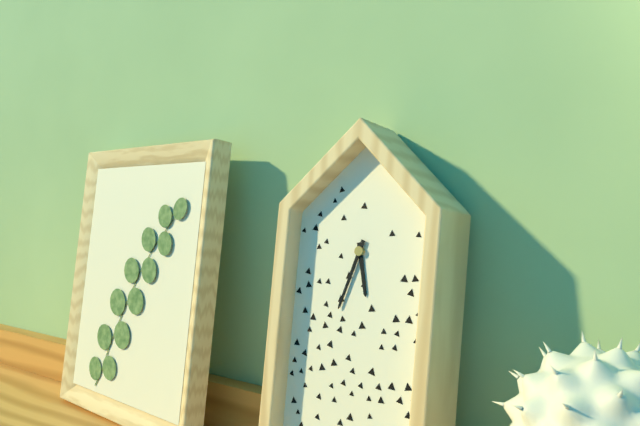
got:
5:33
